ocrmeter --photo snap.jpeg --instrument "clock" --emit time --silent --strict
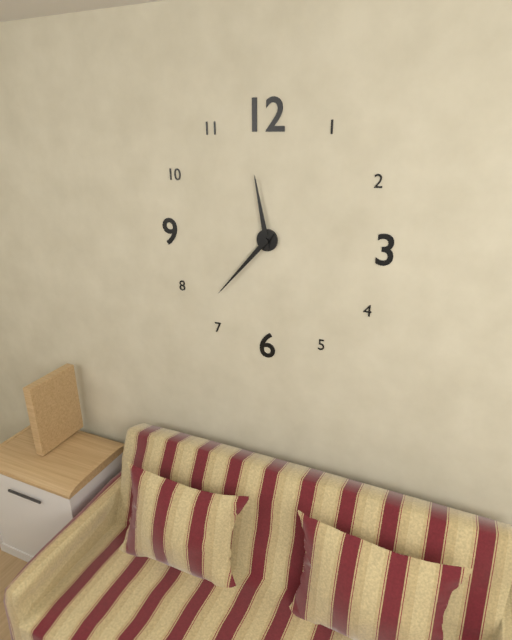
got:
11:37
